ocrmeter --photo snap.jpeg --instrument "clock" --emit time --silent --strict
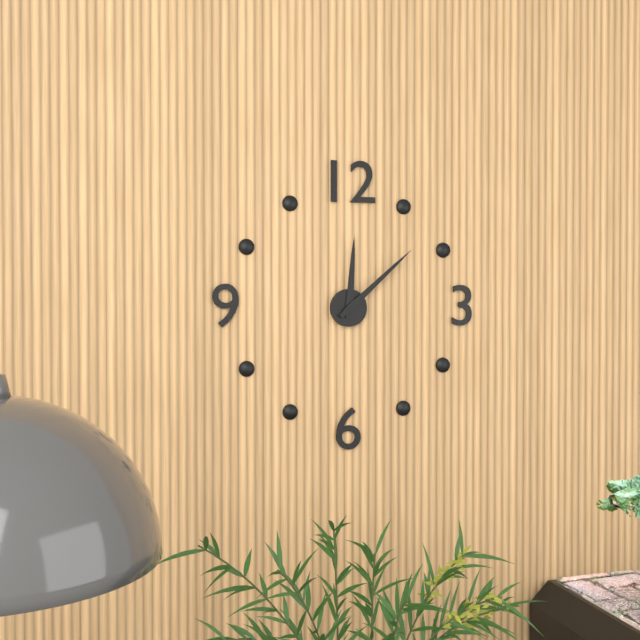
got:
12:08
